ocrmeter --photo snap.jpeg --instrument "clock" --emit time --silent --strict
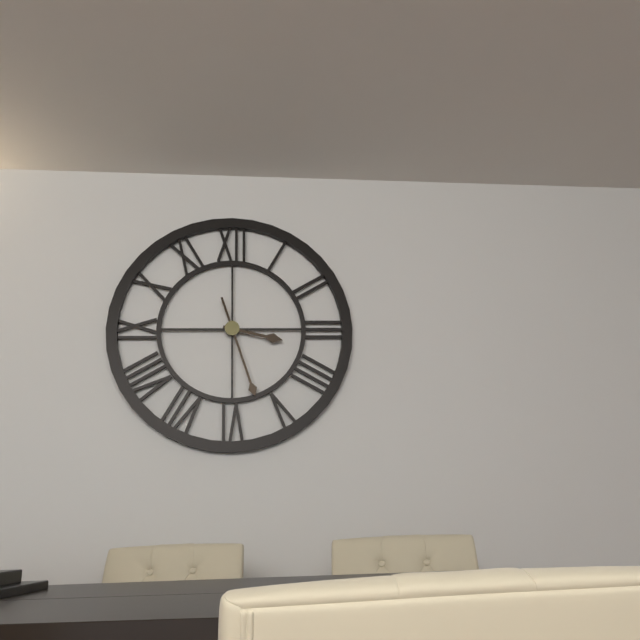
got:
3:27
